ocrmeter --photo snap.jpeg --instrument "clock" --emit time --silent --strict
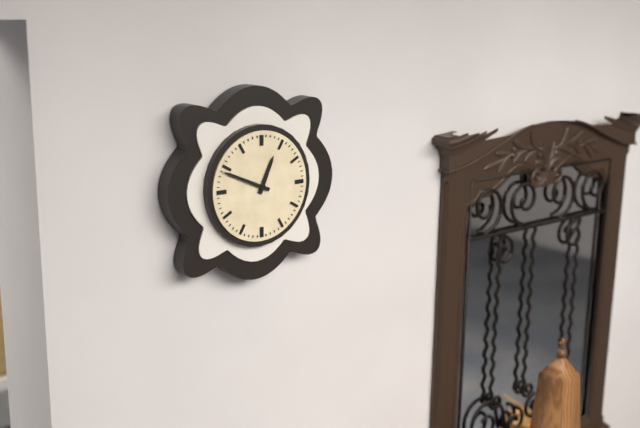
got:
12:49
